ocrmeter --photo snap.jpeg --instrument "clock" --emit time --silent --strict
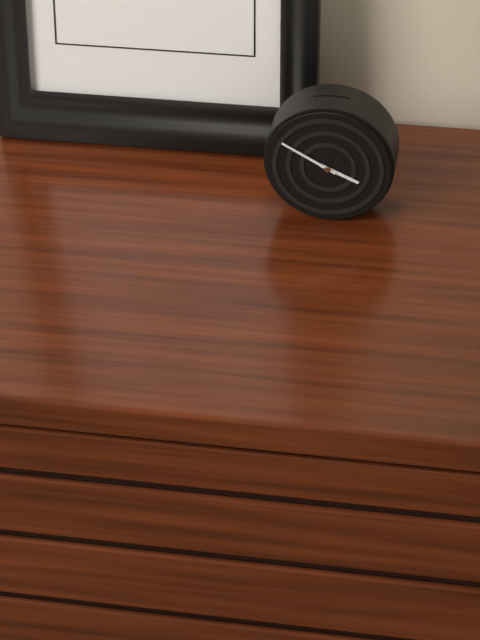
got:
3:50
